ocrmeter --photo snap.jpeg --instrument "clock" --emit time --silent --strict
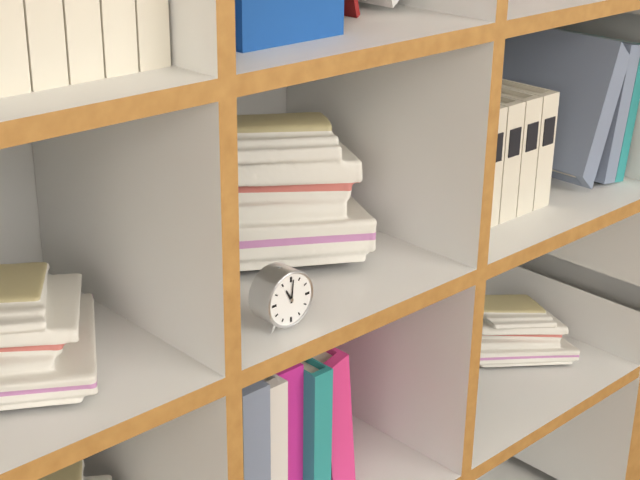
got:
11:01
